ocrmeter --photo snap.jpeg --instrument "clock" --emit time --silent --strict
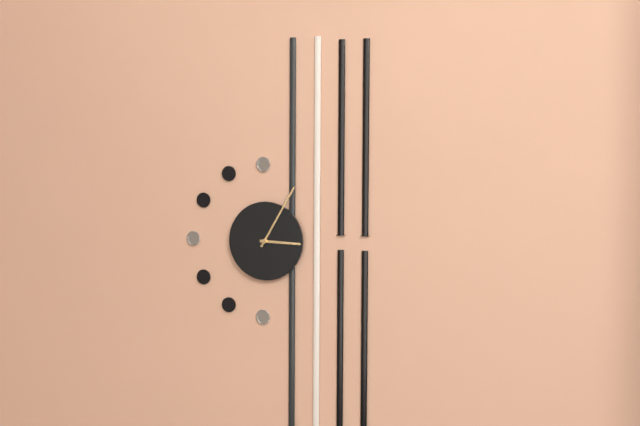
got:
3:05
